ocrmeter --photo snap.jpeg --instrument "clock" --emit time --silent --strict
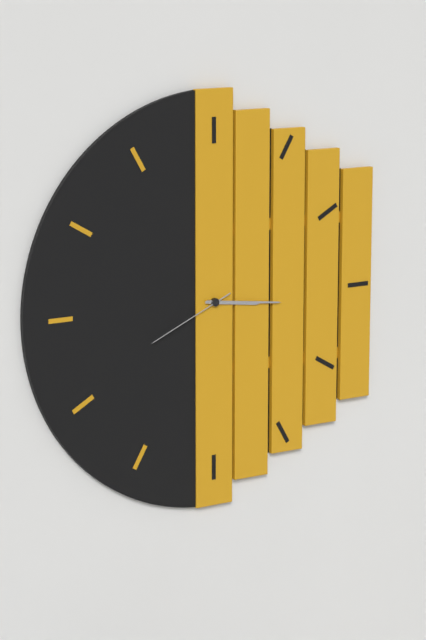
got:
3:16:41
